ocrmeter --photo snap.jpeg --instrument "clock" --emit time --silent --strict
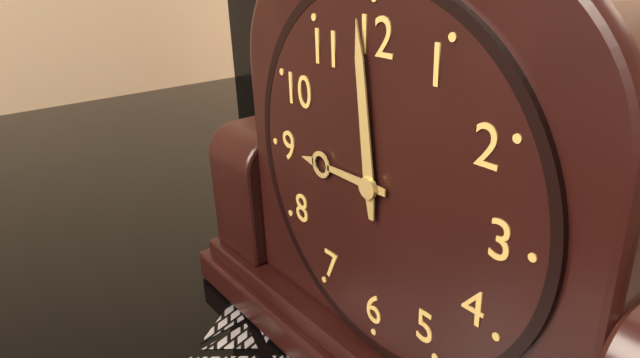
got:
8:59
